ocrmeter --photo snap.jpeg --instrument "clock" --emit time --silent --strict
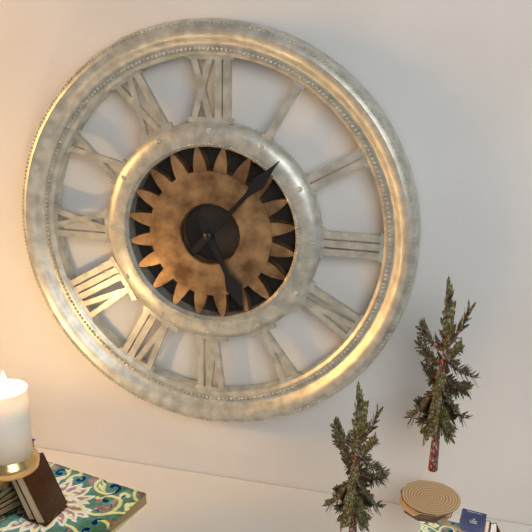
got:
5:07
